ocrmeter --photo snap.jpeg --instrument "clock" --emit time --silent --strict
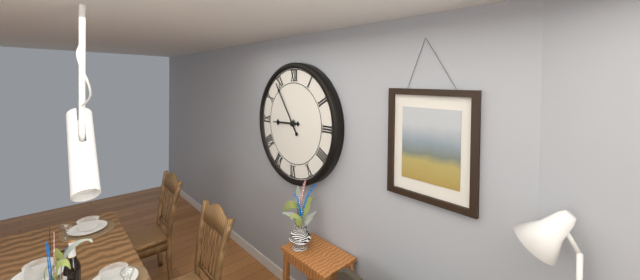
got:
8:54
